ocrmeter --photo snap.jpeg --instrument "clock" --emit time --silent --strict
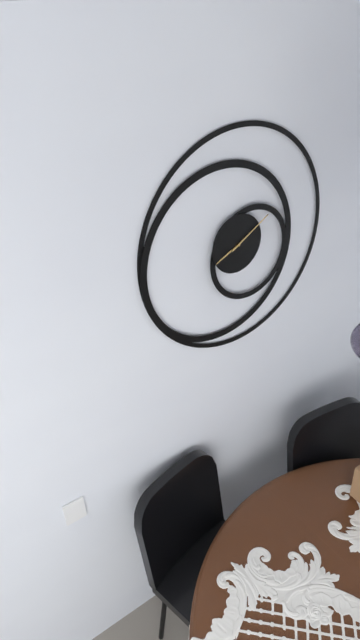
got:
8:10
